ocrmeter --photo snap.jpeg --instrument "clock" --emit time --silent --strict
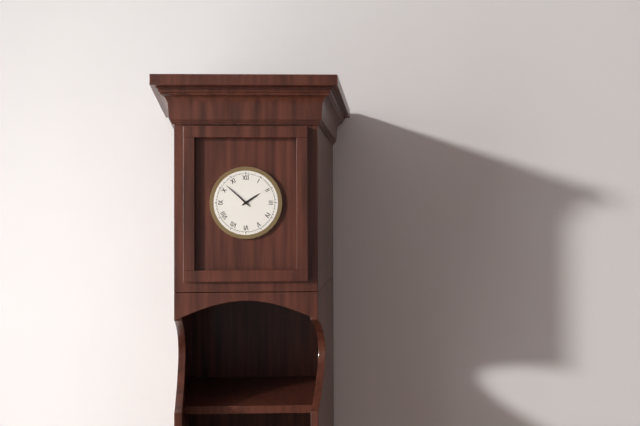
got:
1:52
